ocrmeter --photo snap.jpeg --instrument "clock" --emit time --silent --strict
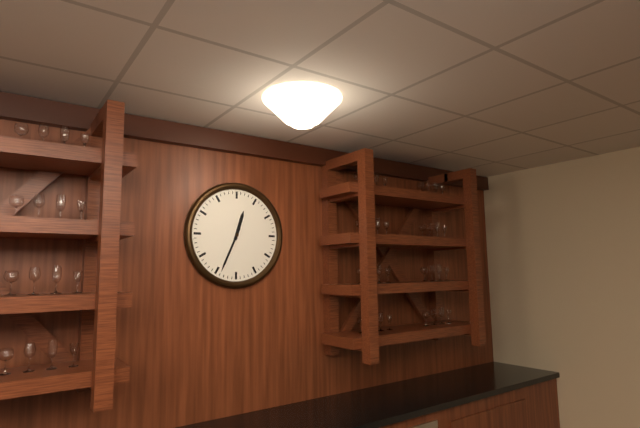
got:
12:34
